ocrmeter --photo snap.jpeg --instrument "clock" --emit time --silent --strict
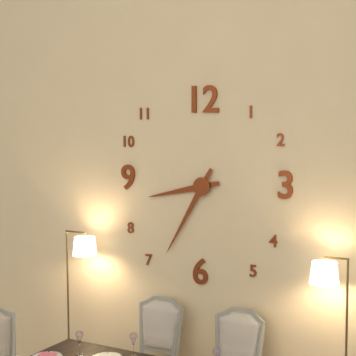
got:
8:35
